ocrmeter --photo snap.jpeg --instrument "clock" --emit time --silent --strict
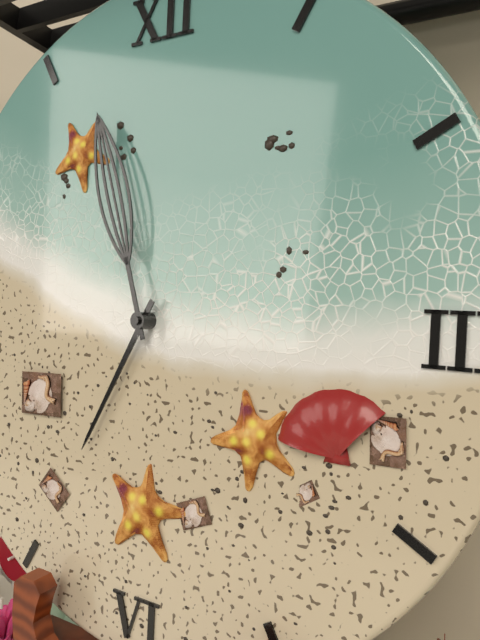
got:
6:57
